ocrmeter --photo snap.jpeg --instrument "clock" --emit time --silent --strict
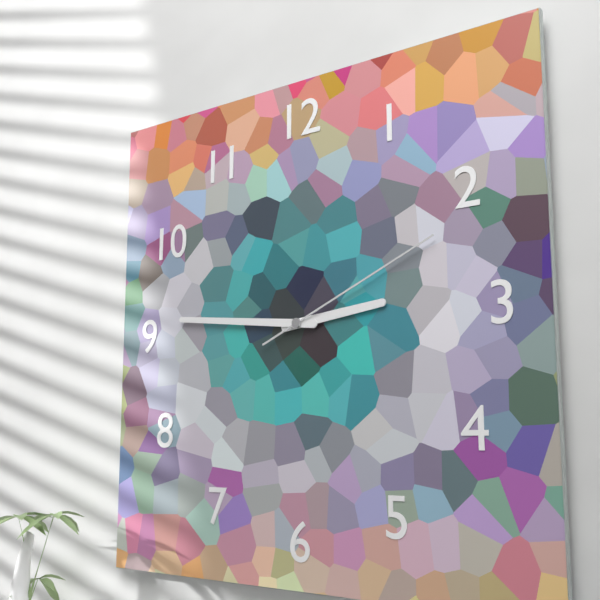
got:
2:46:11
